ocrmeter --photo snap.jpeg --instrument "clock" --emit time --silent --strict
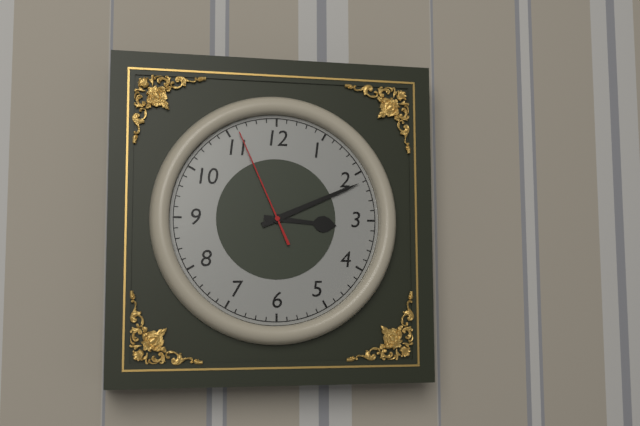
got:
3:11:56
